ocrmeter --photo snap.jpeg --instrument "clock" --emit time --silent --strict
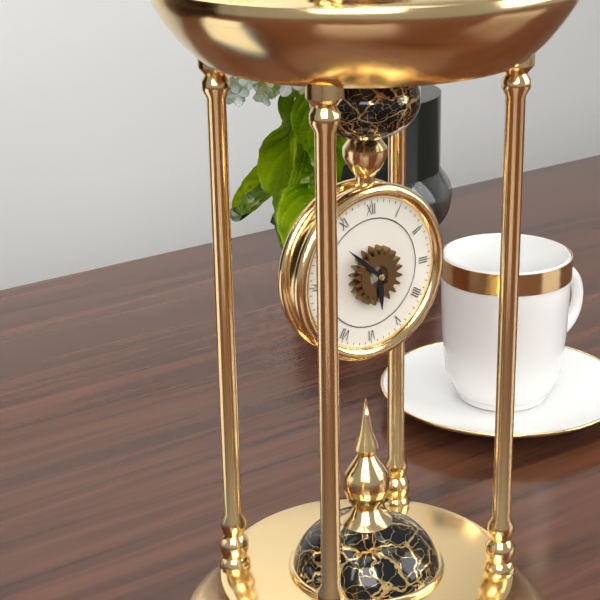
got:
5:52
